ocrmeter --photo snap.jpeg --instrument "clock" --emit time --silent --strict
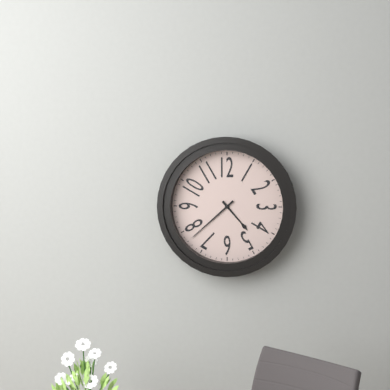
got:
4:38
